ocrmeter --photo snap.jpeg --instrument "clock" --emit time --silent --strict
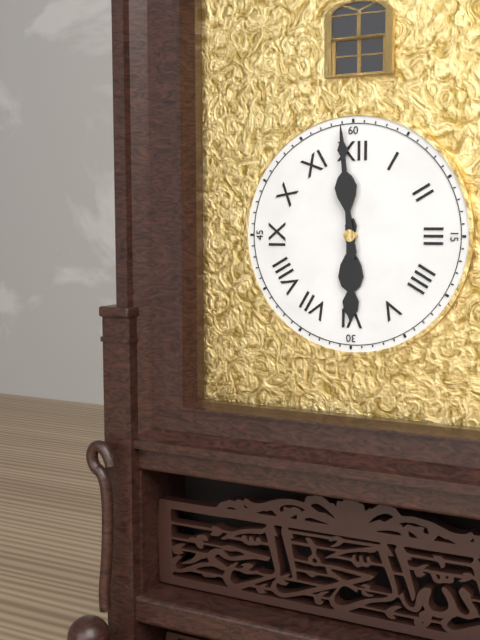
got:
5:59
